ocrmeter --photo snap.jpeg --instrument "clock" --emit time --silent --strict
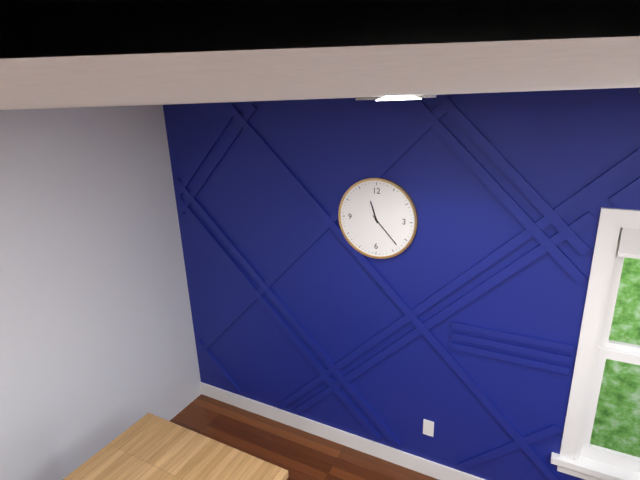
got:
11:23
